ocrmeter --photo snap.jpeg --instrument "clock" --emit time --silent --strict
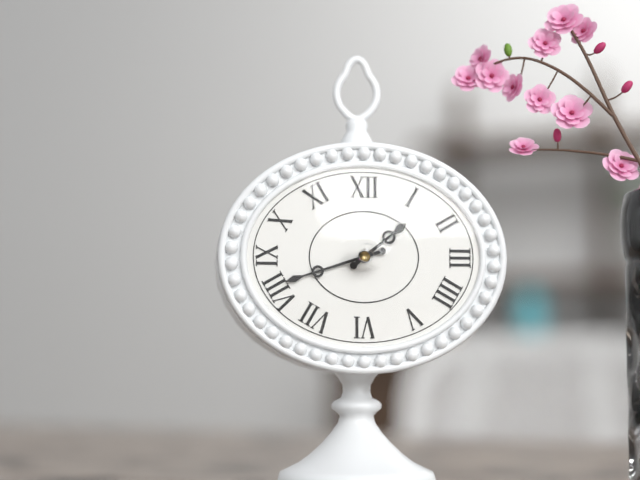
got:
1:42
